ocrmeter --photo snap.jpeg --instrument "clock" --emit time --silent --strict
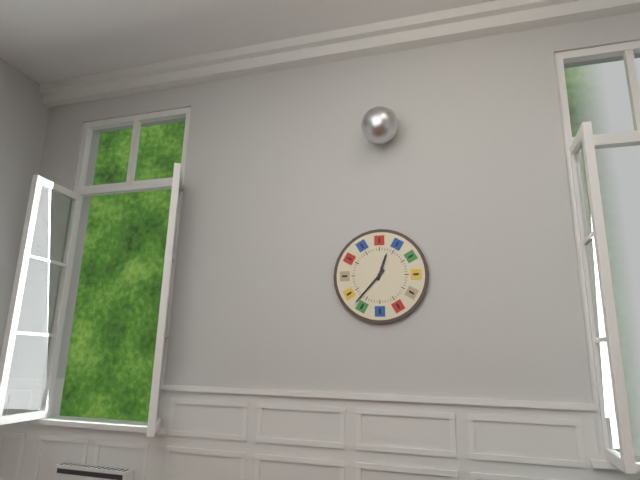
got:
12:37
